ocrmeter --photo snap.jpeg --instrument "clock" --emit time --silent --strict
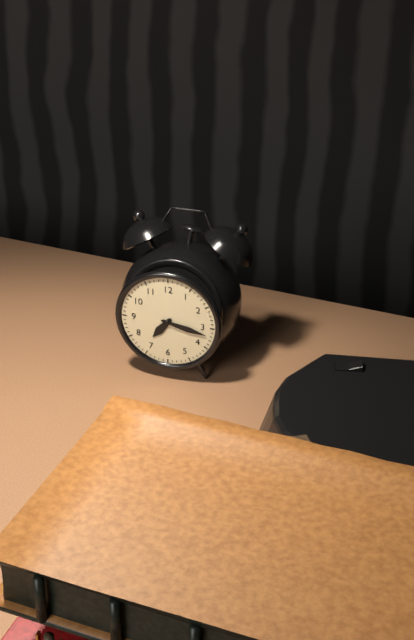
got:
7:17
